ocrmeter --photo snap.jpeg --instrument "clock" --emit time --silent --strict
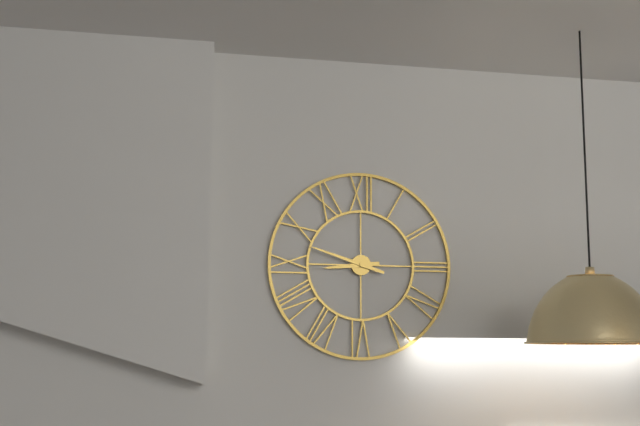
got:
8:48
